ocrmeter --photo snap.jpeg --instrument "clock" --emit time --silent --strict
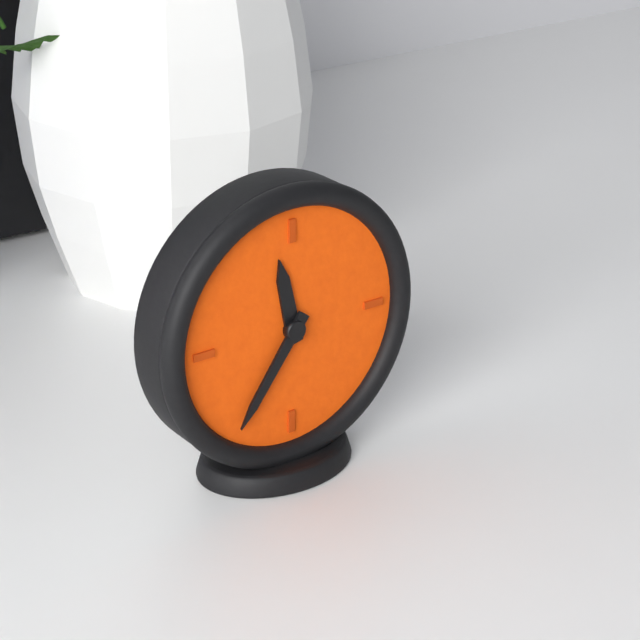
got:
11:36
